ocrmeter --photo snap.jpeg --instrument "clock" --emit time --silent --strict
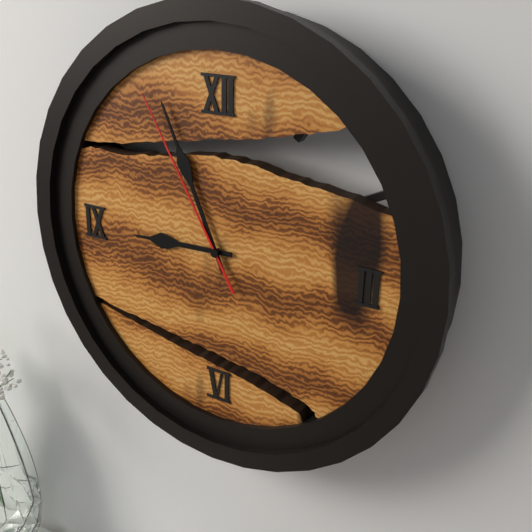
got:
8:56:55
